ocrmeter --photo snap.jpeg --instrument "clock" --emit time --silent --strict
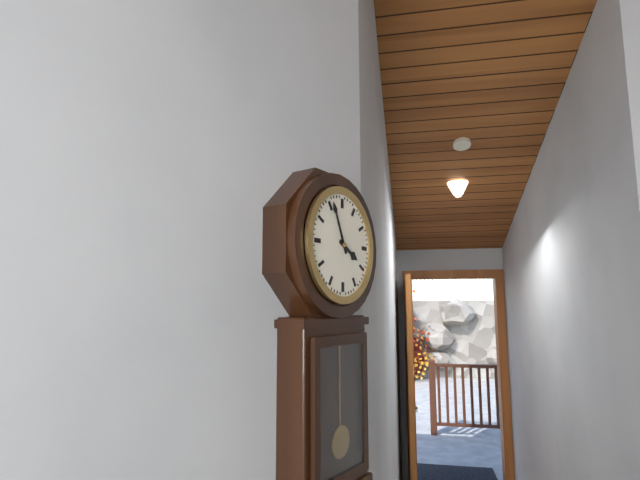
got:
3:56
